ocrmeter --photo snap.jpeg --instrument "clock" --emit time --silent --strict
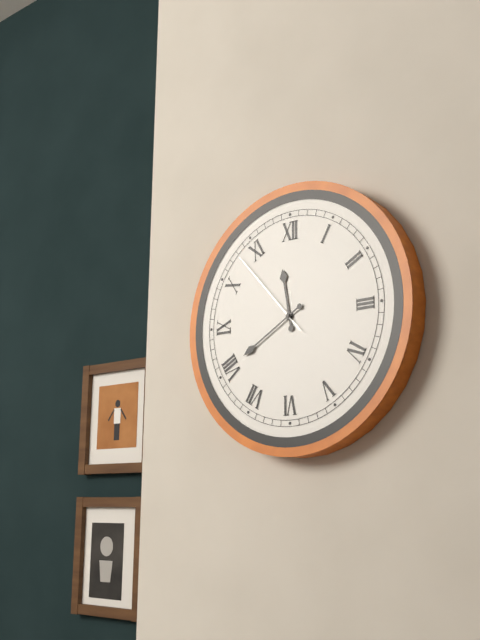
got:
11:40:53
